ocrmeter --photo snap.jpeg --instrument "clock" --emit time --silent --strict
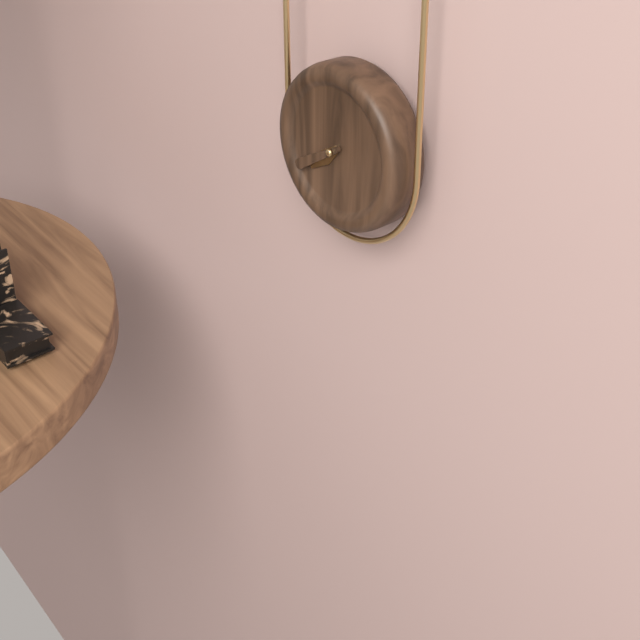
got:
7:40
